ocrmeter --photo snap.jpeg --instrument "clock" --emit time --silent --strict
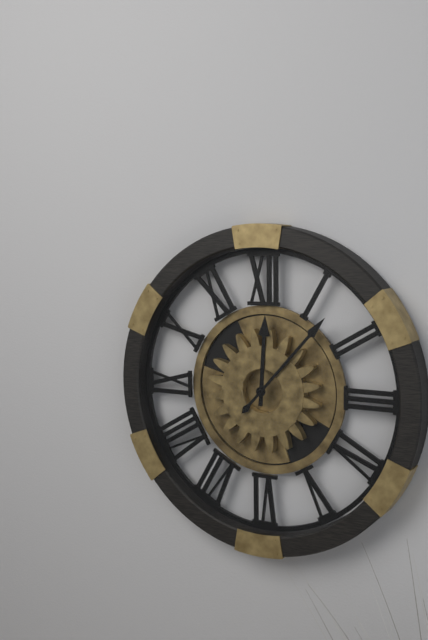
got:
12:07
